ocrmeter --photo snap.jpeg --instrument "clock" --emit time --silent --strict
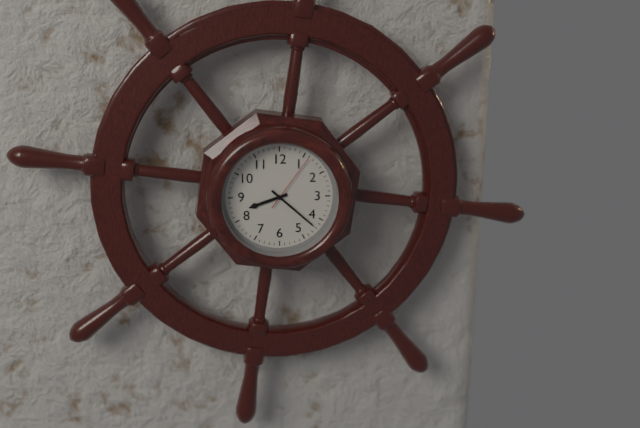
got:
8:22:06
